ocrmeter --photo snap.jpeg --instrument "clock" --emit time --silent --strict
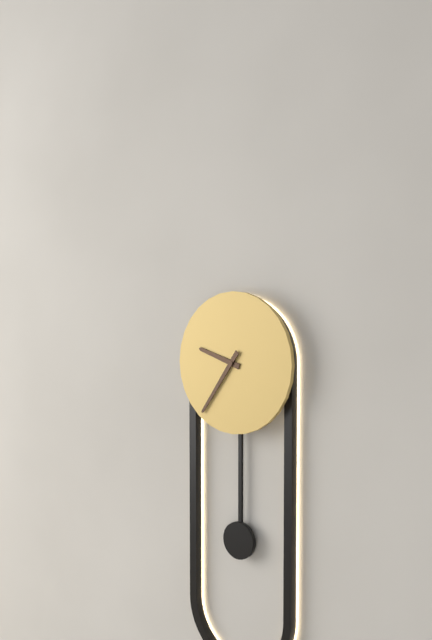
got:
9:36
